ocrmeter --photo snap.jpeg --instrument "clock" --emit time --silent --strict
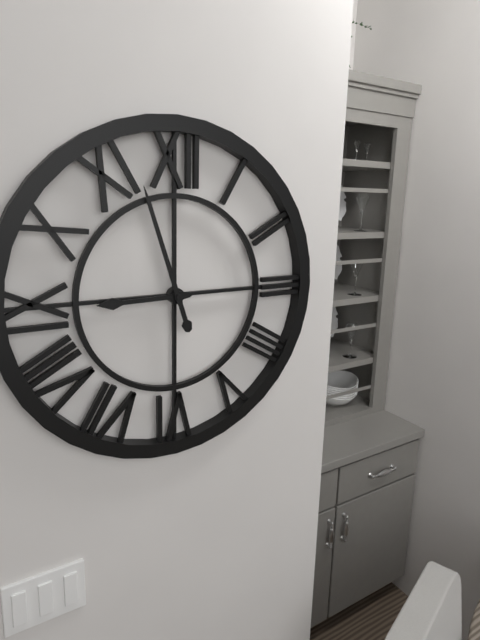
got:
8:57
